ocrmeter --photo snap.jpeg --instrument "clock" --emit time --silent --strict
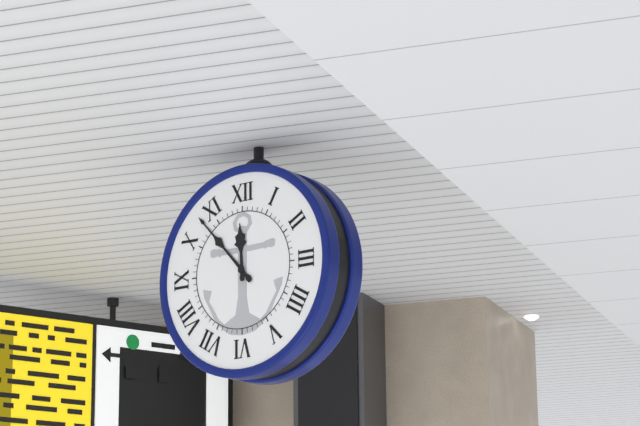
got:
11:53
